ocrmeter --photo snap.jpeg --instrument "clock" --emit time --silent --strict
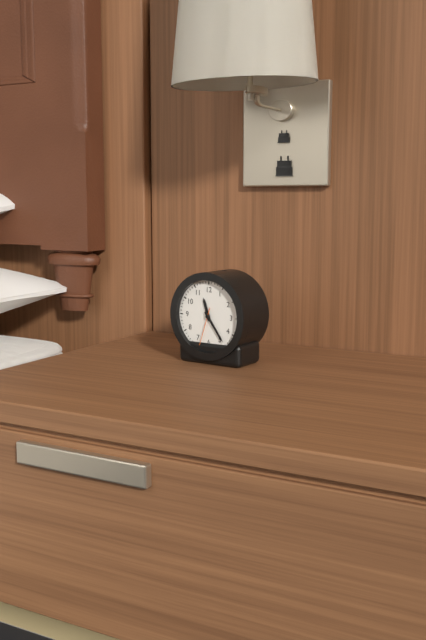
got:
11:24
